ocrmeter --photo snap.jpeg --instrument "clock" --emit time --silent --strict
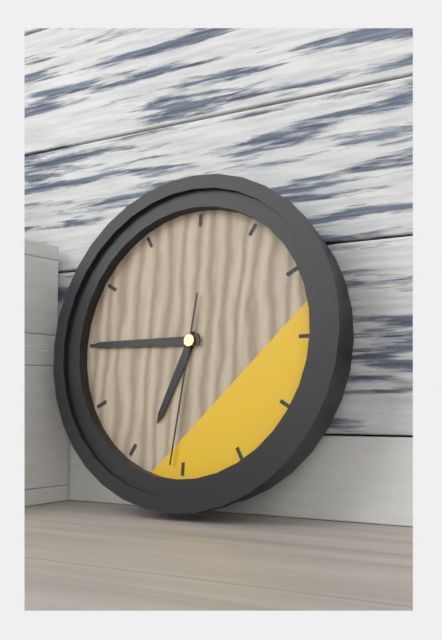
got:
6:45:31
